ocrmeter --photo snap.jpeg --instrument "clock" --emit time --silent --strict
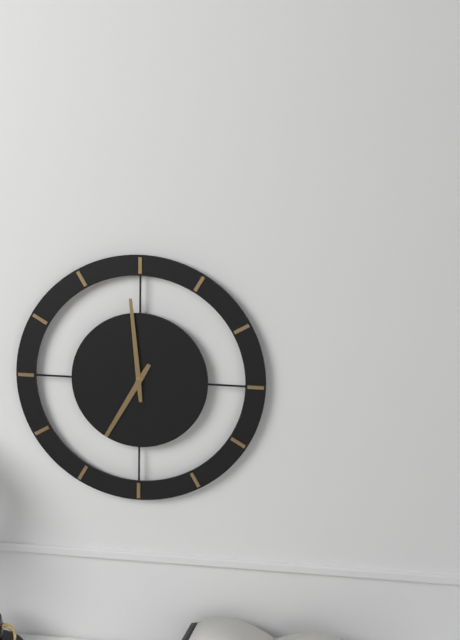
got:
6:59
